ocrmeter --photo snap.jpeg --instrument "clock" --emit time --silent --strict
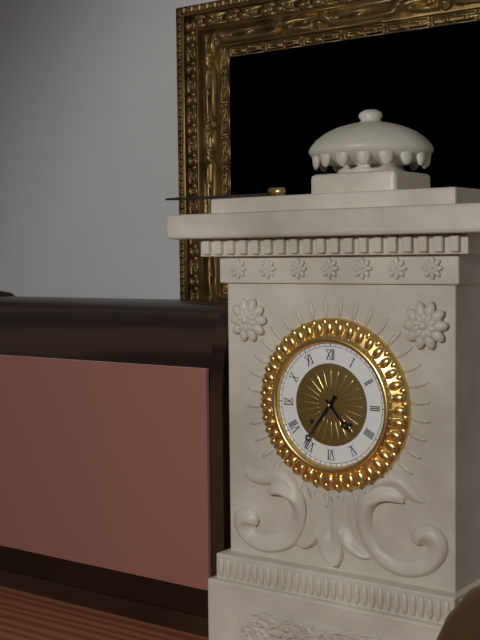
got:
4:36
